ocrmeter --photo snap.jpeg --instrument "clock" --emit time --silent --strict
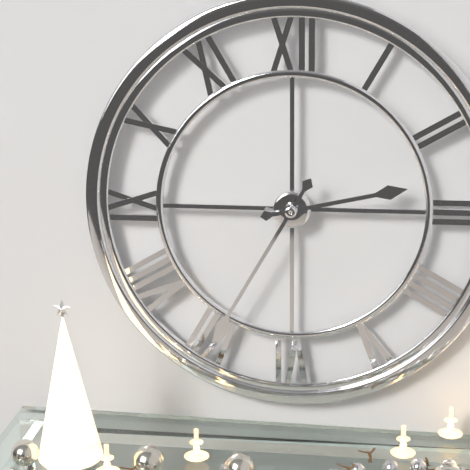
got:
2:35
